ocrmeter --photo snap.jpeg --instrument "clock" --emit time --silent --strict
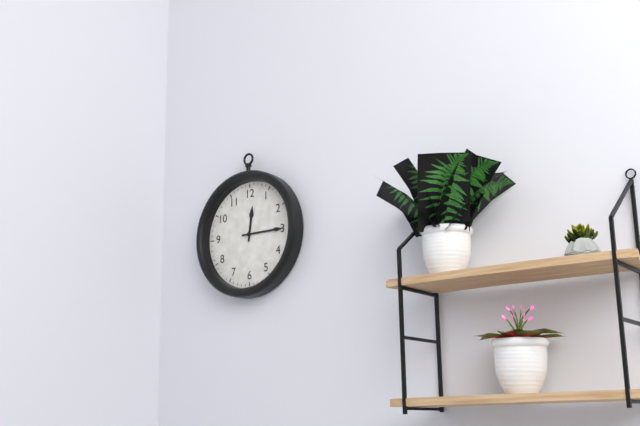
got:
12:15
